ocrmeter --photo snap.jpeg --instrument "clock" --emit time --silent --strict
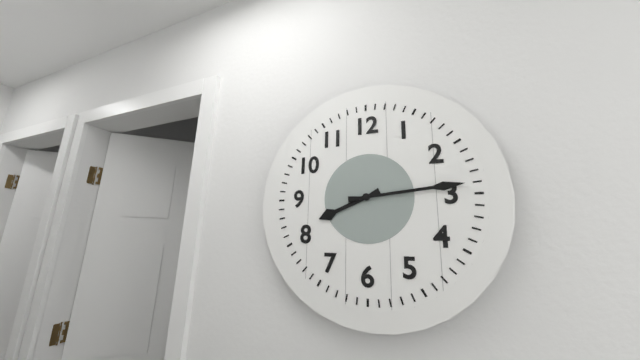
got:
8:14
